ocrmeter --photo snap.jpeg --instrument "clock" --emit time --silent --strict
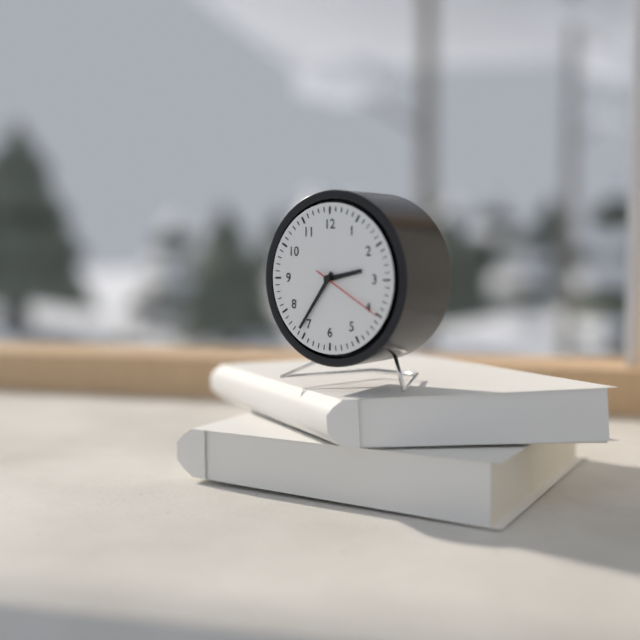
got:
2:36:20
